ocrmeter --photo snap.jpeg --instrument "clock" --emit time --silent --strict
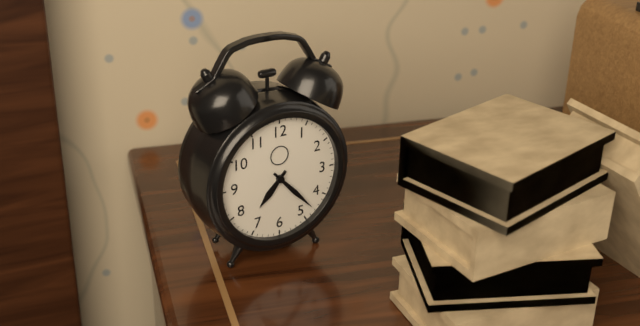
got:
7:23
